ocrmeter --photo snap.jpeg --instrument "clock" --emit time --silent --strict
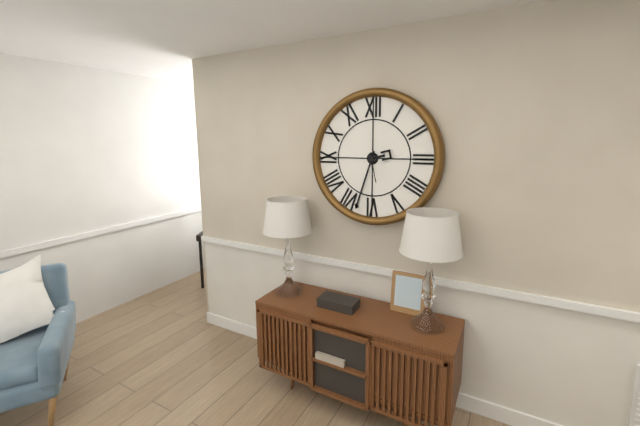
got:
2:33
